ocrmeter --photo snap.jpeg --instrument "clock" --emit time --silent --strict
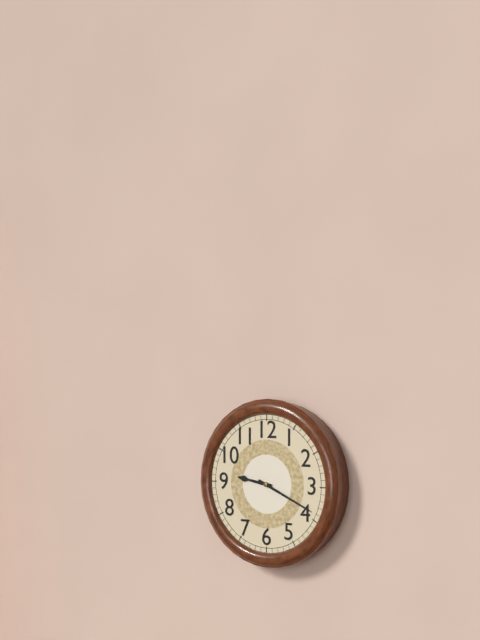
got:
9:19
